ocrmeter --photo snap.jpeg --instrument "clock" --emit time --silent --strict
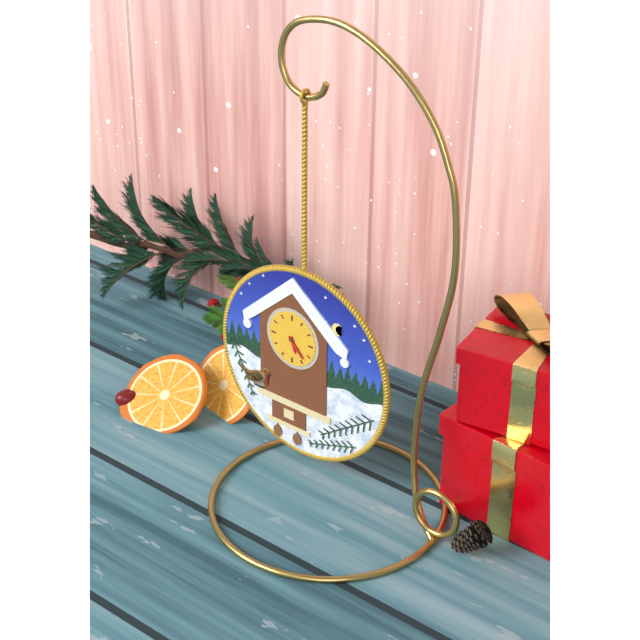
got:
5:23
